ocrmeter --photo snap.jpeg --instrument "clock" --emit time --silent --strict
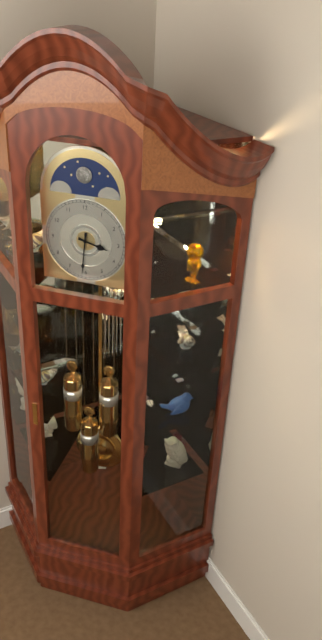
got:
3:31
